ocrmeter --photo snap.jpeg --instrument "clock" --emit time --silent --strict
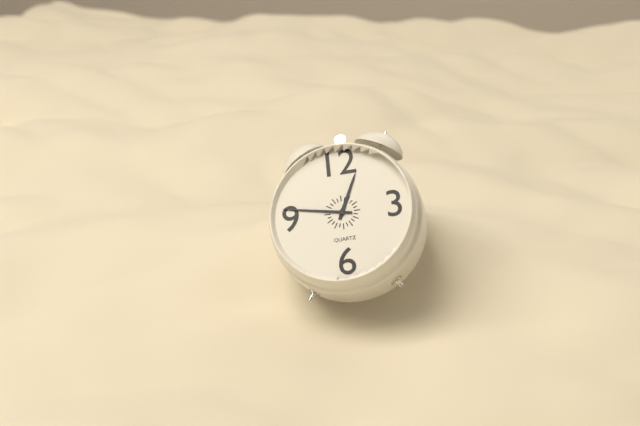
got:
12:47
